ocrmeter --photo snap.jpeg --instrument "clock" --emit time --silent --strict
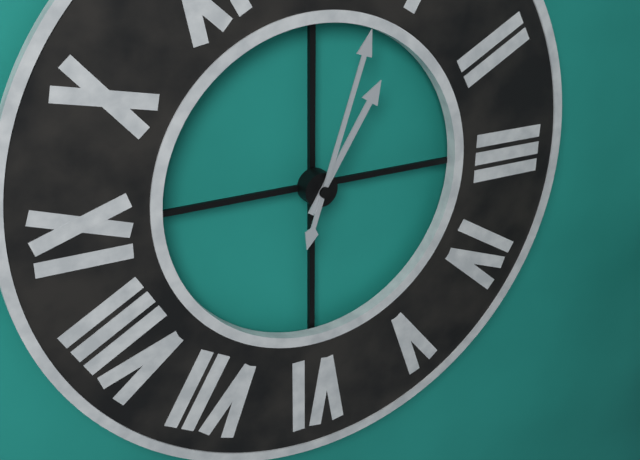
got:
1:03
